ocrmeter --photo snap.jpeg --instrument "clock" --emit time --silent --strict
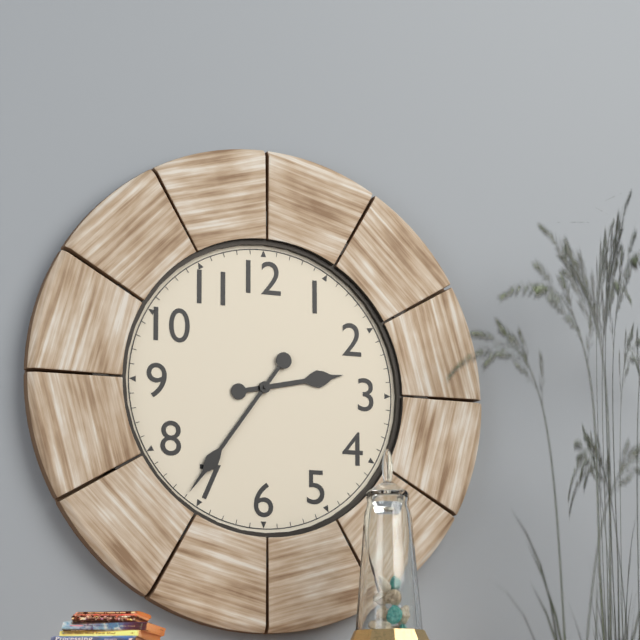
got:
2:36
